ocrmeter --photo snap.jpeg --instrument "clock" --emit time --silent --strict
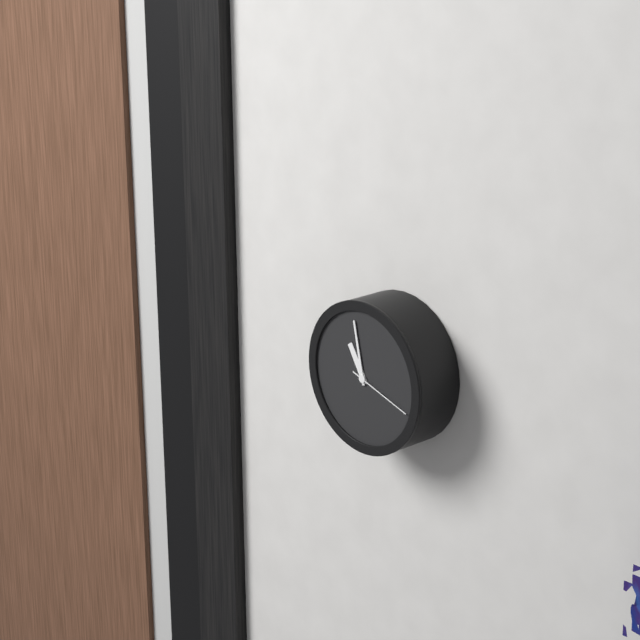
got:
10:58:18
